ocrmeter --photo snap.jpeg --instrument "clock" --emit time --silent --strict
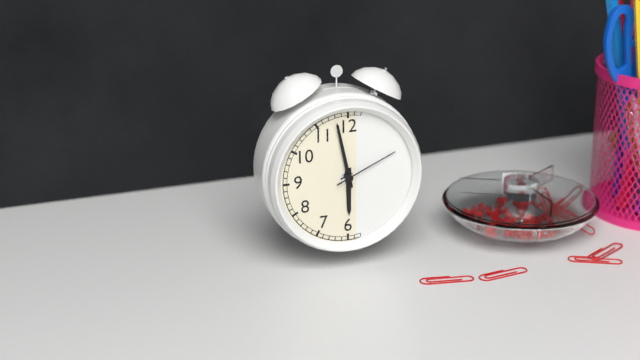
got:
5:58:11
